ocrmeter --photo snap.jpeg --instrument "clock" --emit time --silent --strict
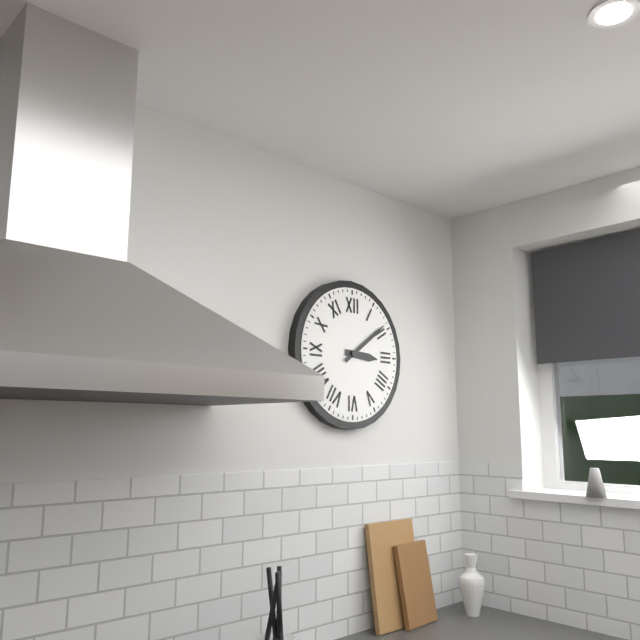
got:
3:09
